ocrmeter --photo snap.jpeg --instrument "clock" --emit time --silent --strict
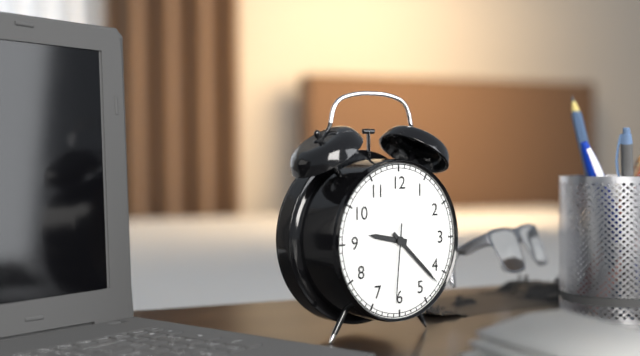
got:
9:22:31
